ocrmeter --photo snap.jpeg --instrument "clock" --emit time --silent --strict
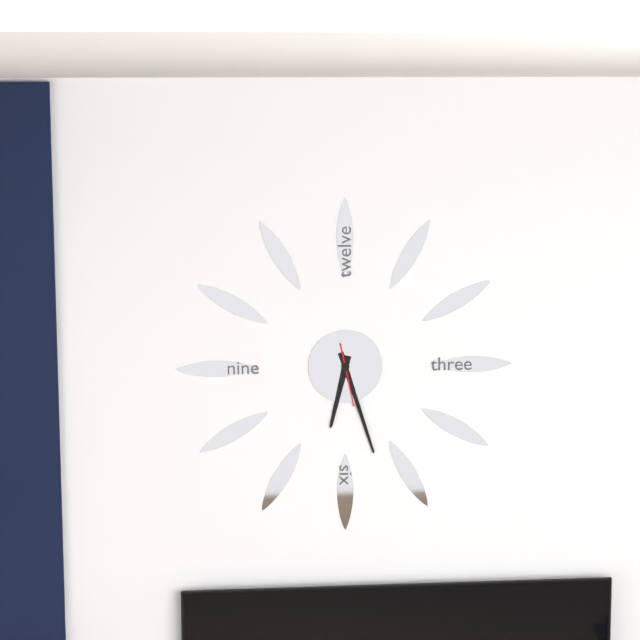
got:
6:27:28
